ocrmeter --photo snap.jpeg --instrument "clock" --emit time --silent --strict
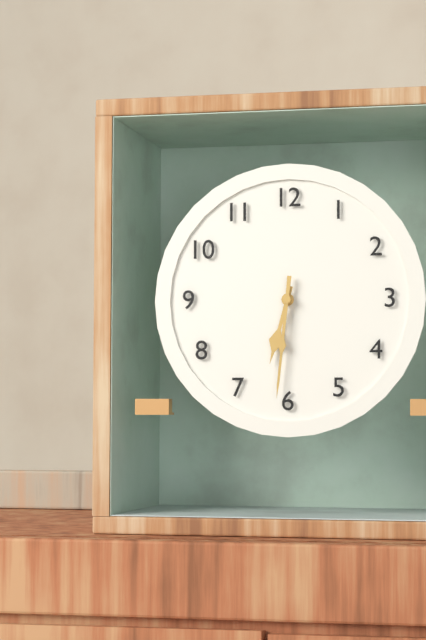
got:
6:31
